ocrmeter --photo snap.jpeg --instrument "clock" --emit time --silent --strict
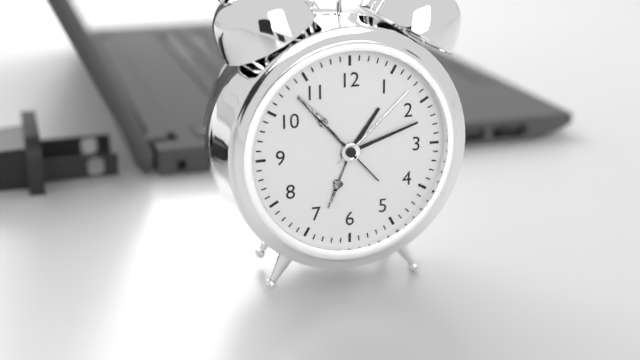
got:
1:12:53
